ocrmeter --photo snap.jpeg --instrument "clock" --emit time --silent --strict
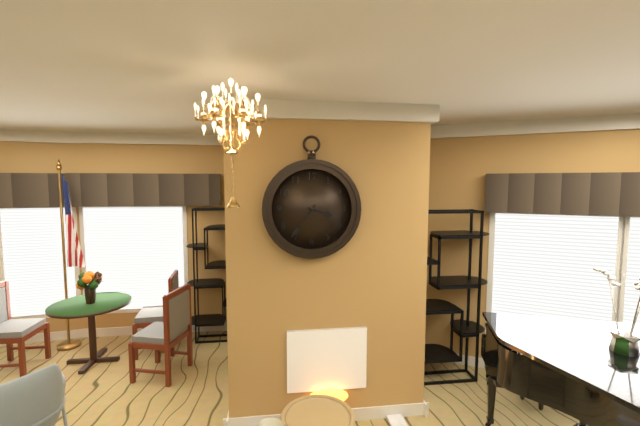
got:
3:36
